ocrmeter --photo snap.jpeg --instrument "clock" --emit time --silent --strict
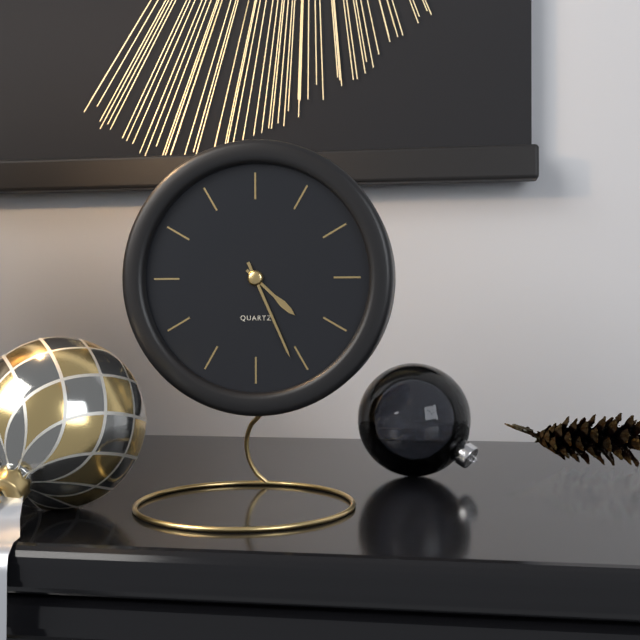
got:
4:26
